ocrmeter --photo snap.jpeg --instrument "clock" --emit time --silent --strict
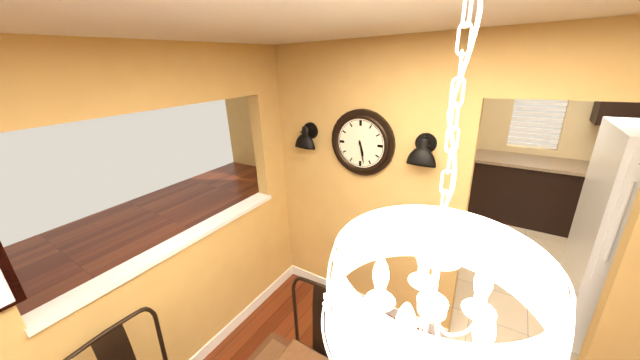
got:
5:28
